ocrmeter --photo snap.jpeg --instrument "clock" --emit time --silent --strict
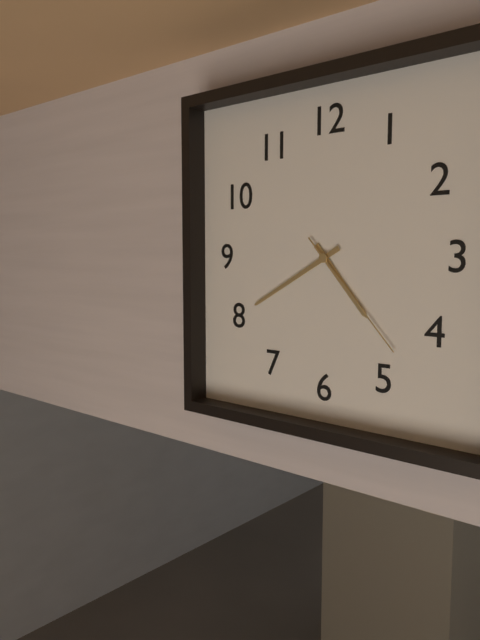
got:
4:40:23
